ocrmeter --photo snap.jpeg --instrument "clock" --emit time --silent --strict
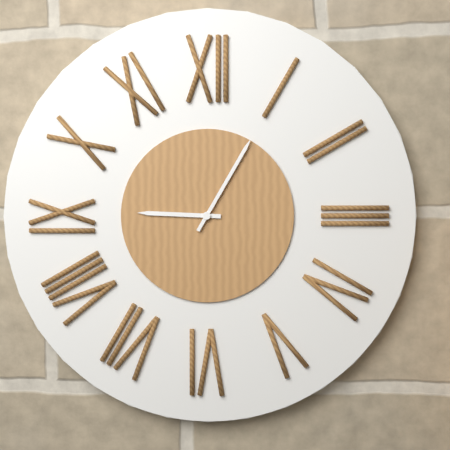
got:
9:05
